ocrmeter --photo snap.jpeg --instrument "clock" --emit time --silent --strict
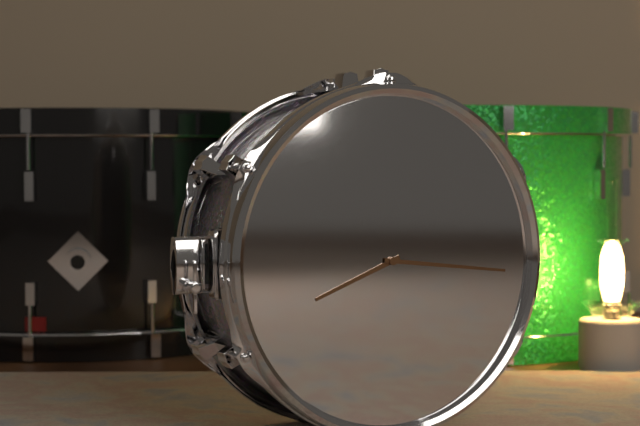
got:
8:16
